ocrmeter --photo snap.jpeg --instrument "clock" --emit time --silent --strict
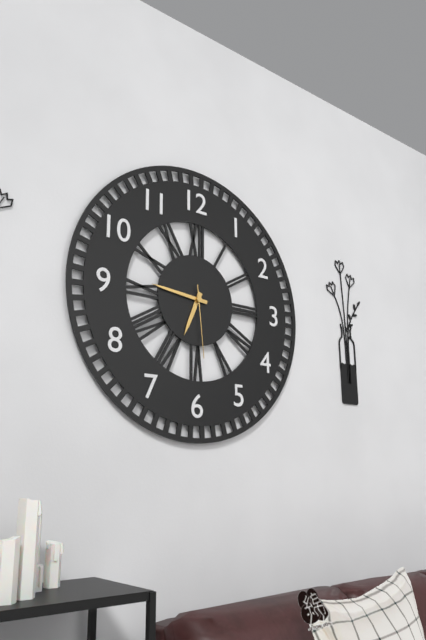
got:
6:46:29
